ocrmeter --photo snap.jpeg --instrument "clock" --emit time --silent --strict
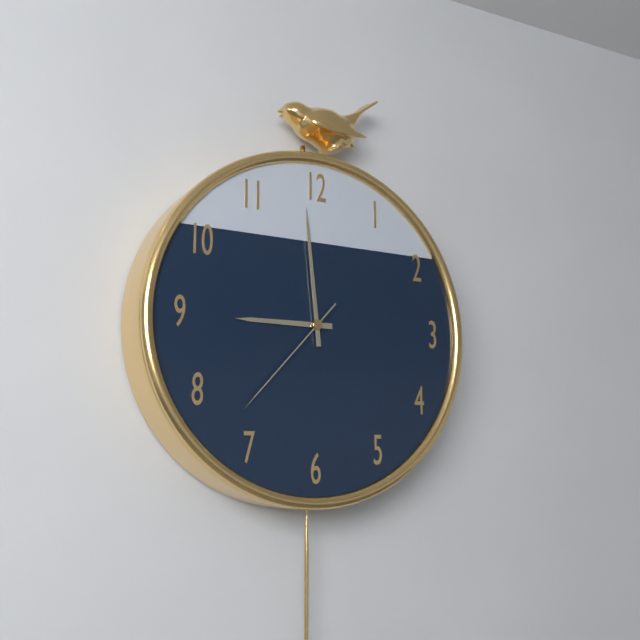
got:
8:59:37
